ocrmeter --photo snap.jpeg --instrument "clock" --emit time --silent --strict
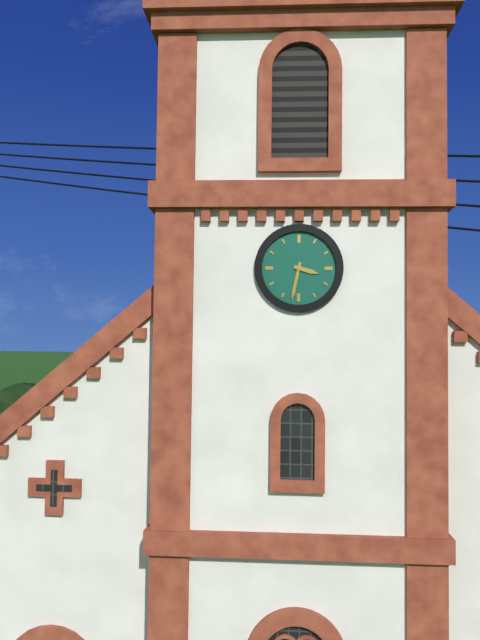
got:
3:32
